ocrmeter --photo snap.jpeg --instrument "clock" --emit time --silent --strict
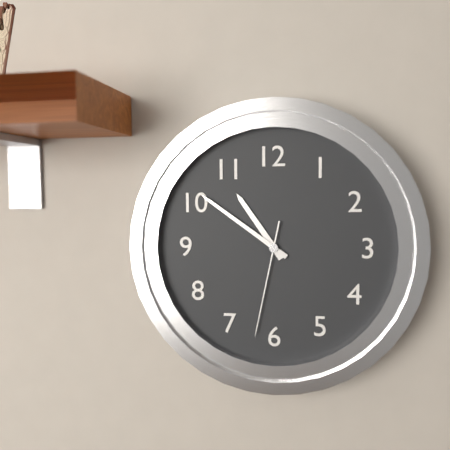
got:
10:51:32
